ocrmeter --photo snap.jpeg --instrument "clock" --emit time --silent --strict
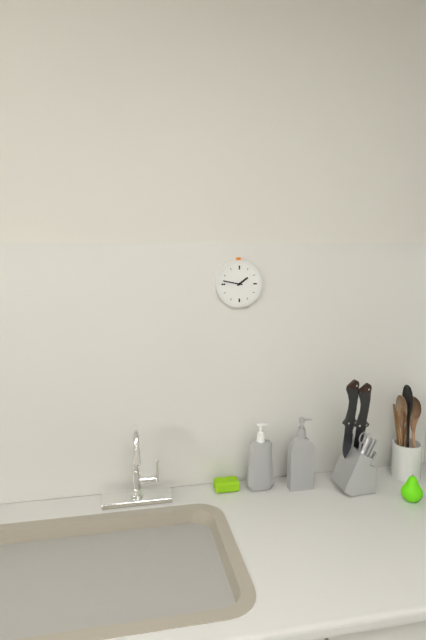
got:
1:47
